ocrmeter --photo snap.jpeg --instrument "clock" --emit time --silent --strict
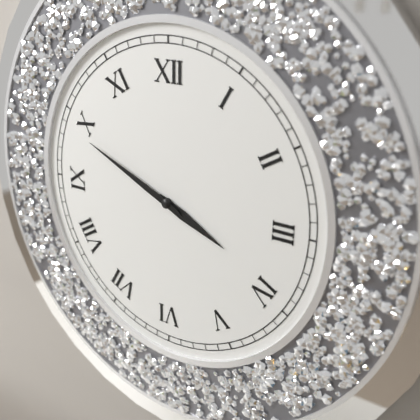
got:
3:49
